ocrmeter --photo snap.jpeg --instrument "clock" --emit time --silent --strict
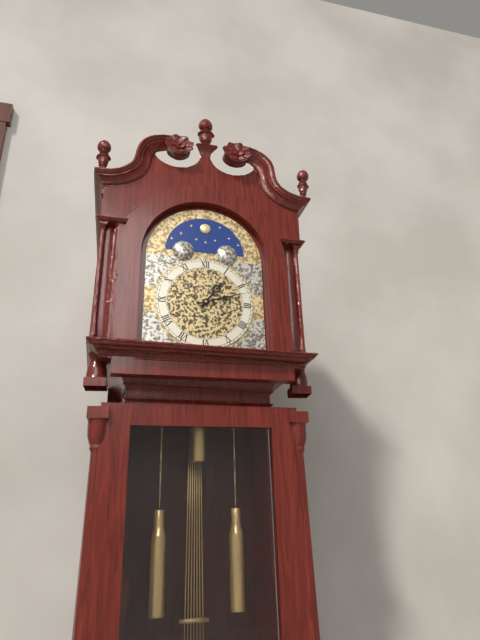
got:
1:12
